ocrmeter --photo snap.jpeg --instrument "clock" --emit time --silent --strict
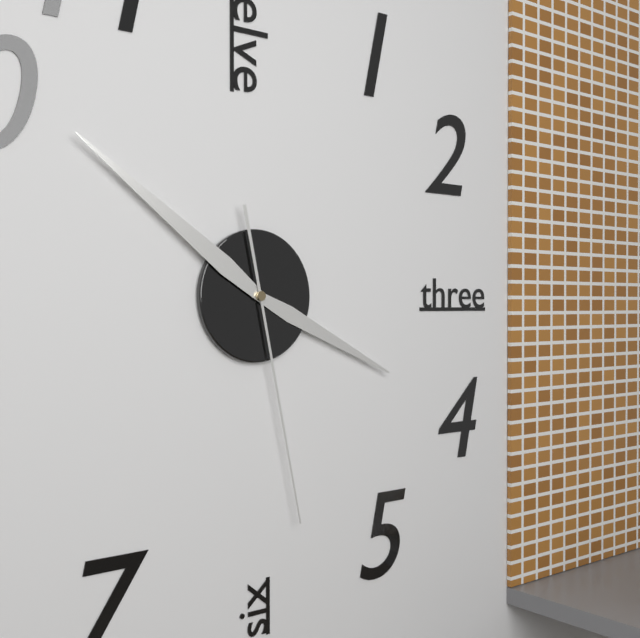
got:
3:51:28
